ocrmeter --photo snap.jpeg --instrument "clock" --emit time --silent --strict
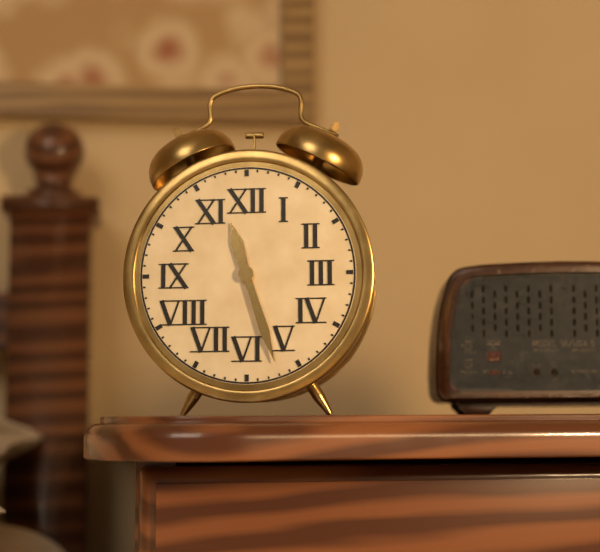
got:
11:27
